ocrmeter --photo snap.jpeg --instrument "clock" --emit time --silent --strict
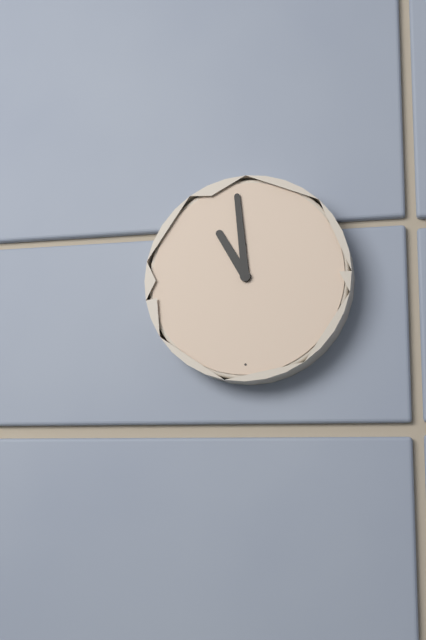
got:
10:59
